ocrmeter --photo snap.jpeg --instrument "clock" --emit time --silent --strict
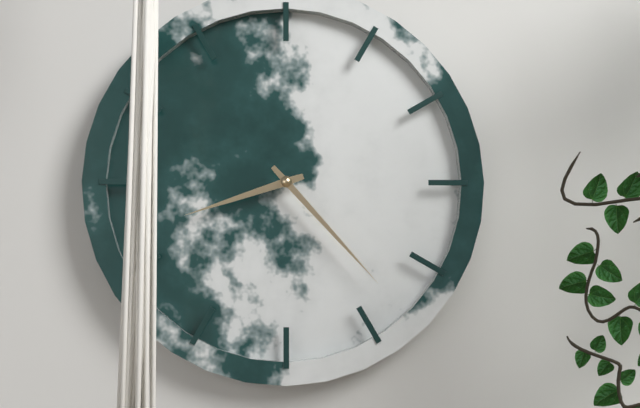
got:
8:23
